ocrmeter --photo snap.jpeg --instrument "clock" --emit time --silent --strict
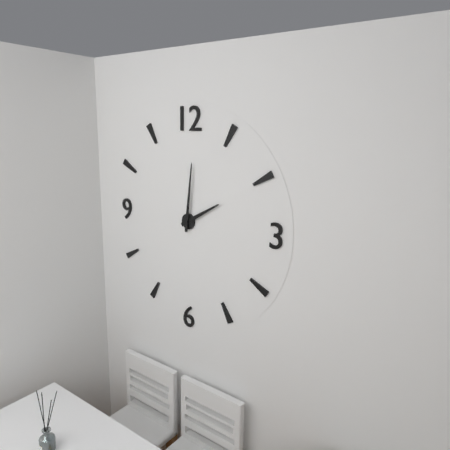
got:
2:01
